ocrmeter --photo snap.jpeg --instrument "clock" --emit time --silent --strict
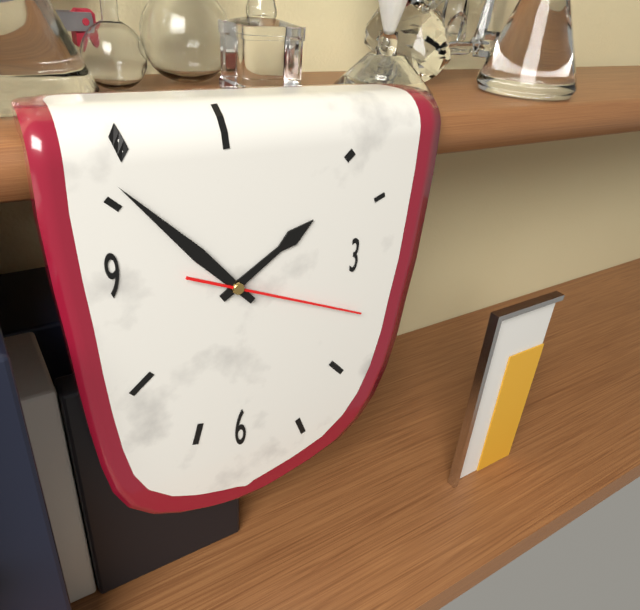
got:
1:53:19
